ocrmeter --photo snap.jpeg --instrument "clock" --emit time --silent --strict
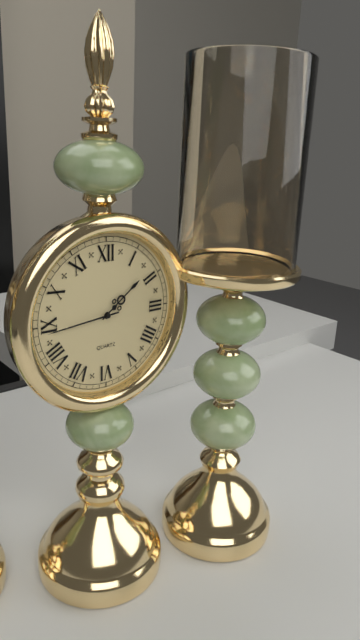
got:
1:44
